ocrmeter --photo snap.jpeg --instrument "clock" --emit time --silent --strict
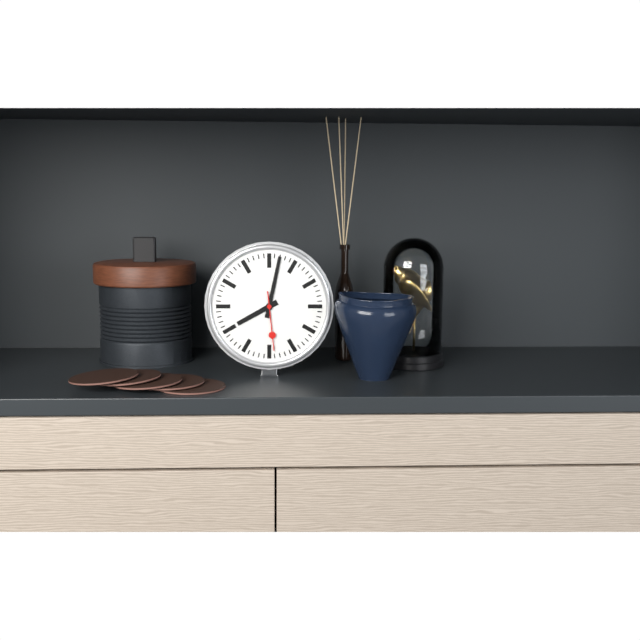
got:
8:02:29
